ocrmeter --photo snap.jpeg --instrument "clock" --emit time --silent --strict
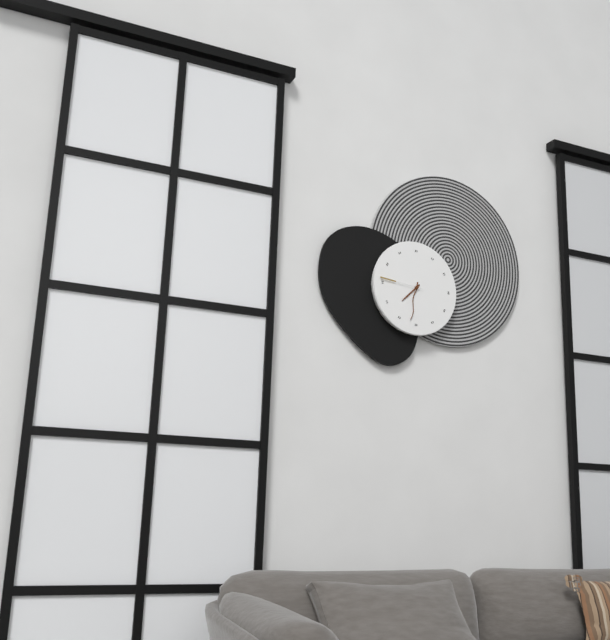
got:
7:32
